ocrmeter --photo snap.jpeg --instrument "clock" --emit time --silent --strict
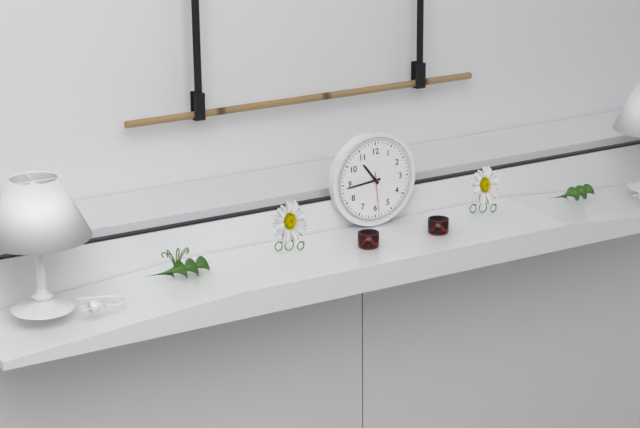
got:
10:44
